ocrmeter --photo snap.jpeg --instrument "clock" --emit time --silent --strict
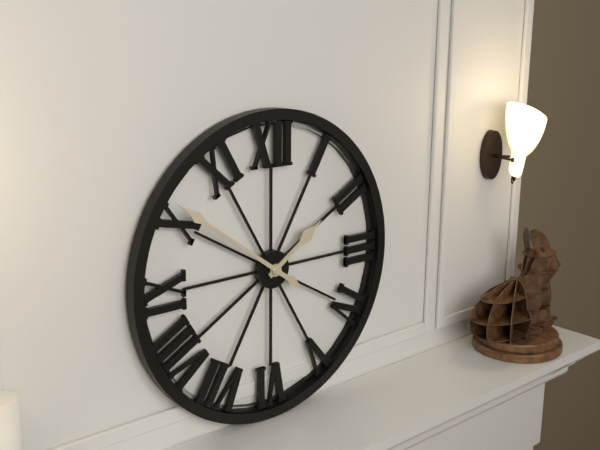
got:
1:51
